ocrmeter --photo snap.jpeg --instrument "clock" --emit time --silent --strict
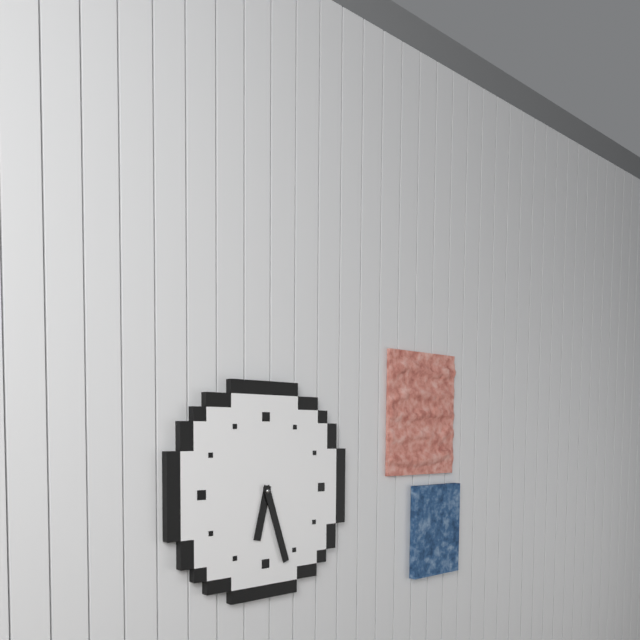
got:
6:27
